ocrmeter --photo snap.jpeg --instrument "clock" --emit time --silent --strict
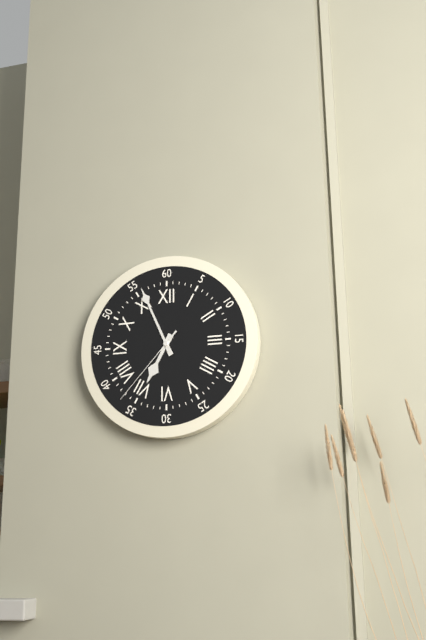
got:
6:56:37
